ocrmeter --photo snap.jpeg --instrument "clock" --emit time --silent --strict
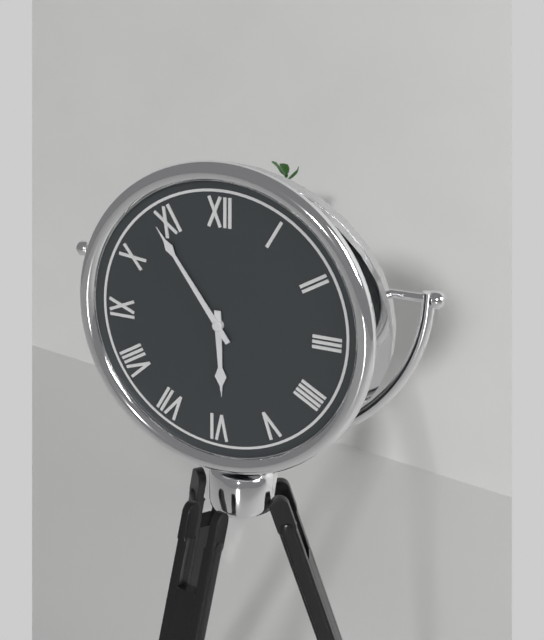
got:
5:54
